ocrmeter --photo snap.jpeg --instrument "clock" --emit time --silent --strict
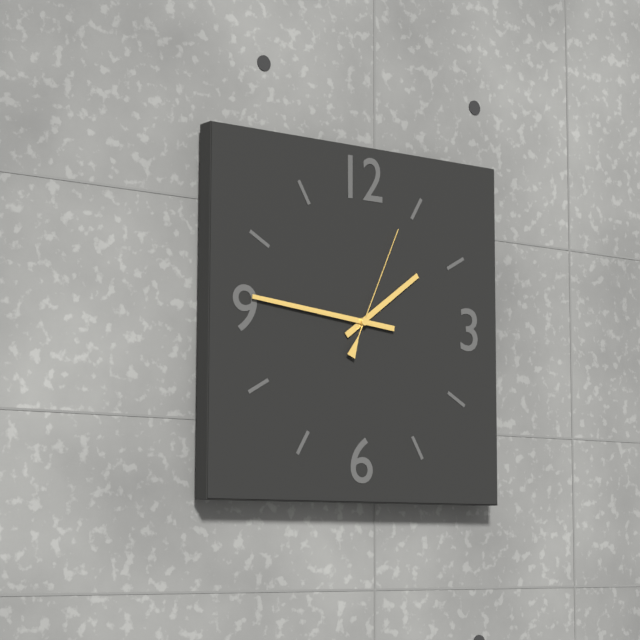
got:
1:46:04
